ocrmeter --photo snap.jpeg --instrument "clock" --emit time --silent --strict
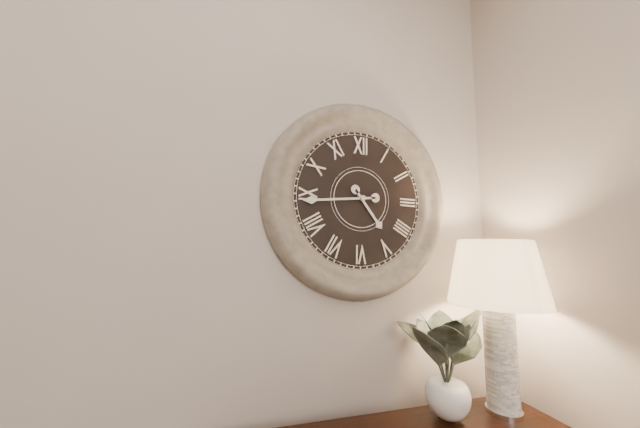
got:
4:44
